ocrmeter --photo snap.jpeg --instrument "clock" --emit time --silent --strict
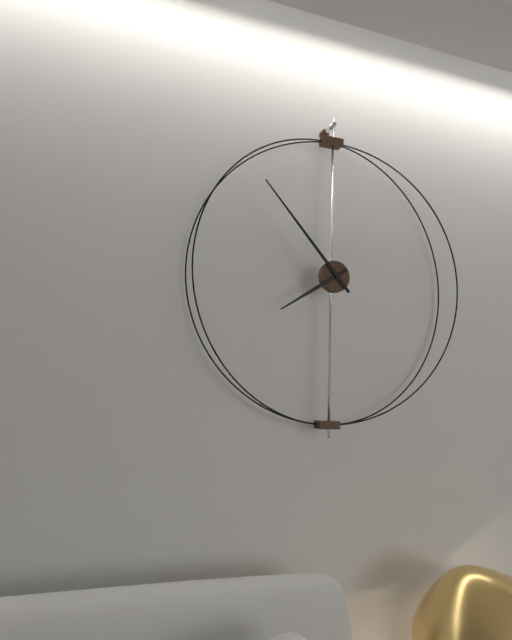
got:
7:53
